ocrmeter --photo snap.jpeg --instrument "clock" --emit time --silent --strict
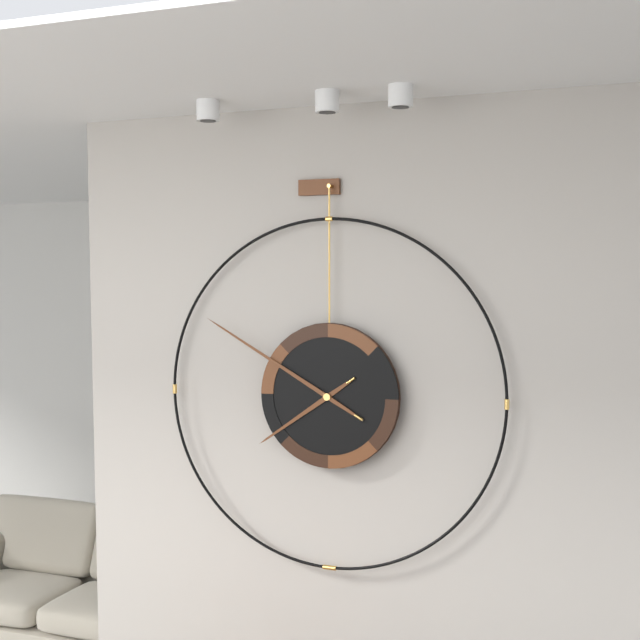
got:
7:50
